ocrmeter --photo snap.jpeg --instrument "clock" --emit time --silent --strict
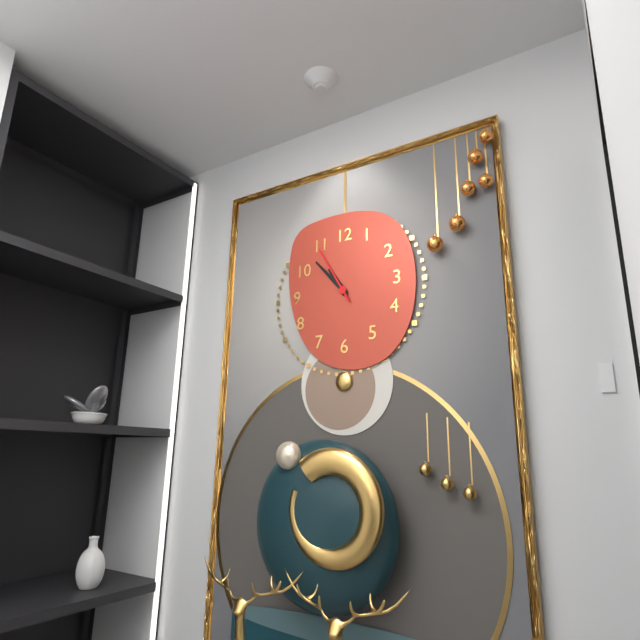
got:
10:53:55
